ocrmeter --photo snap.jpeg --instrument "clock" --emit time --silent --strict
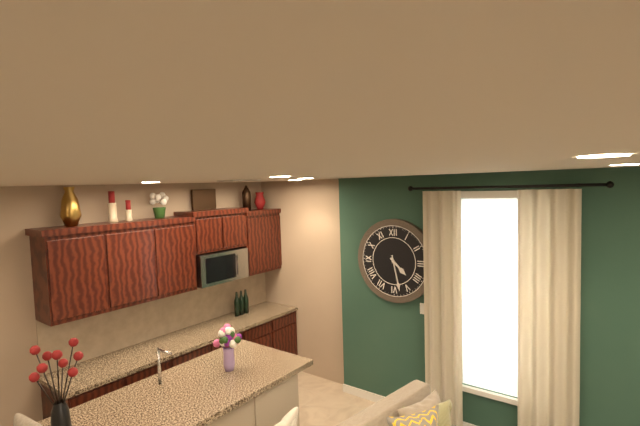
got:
4:28
